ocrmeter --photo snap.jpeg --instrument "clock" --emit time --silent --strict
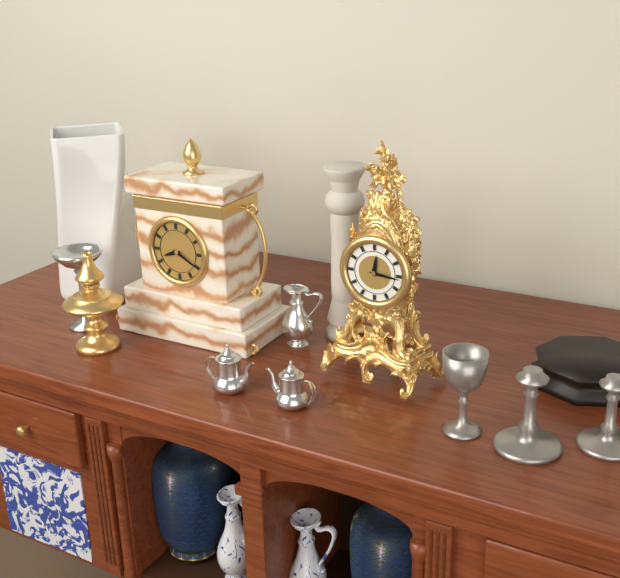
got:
12:16
